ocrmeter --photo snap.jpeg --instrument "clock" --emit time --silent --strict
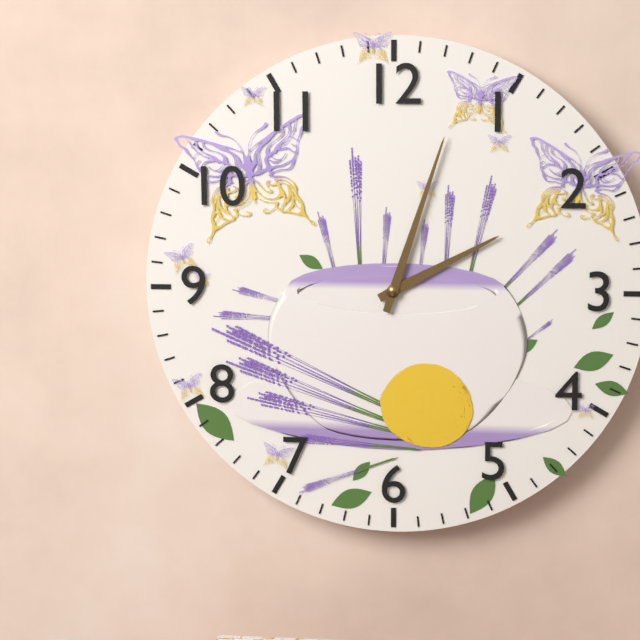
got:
2:03
